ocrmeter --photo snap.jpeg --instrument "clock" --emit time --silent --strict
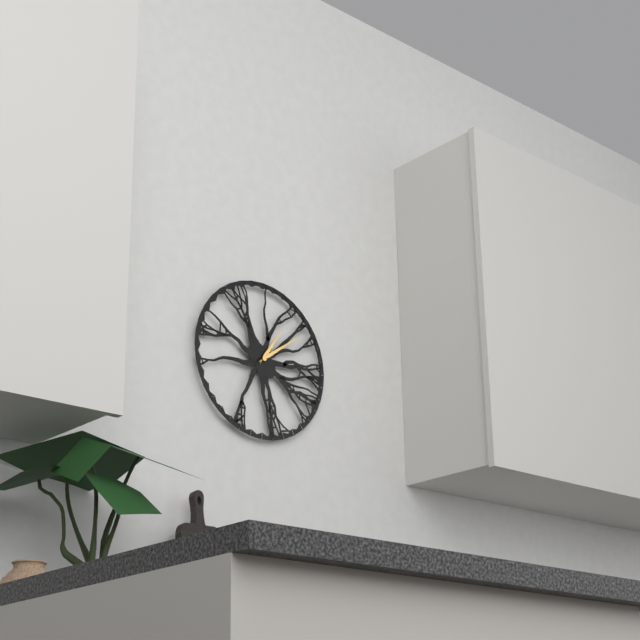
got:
1:09
